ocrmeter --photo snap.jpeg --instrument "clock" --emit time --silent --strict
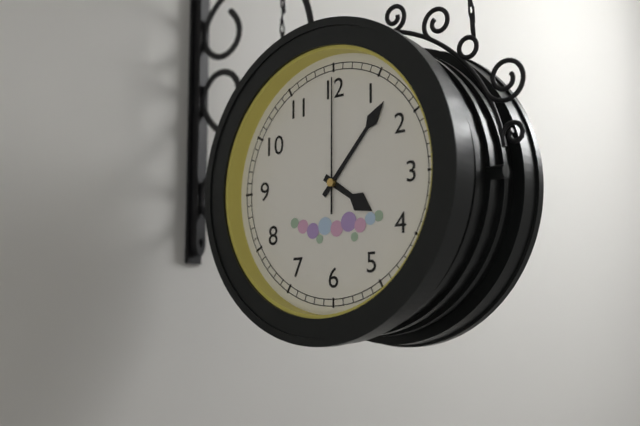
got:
4:07:00
